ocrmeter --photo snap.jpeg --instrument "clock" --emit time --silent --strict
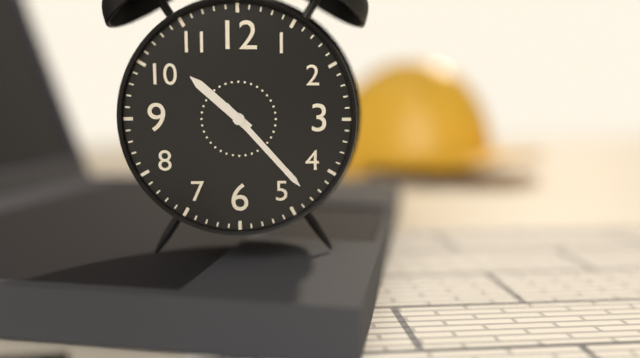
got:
10:23
